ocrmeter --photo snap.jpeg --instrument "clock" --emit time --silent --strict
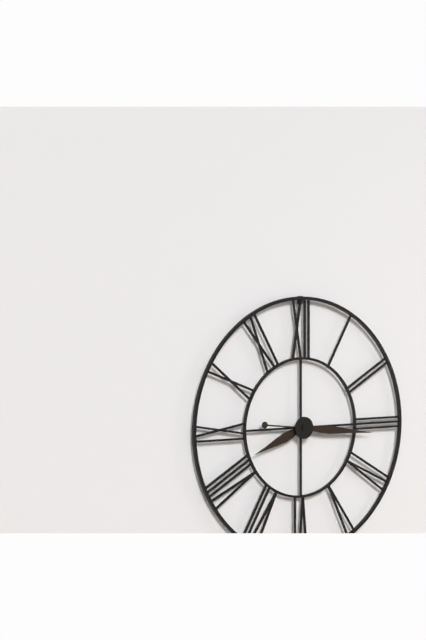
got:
8:16
